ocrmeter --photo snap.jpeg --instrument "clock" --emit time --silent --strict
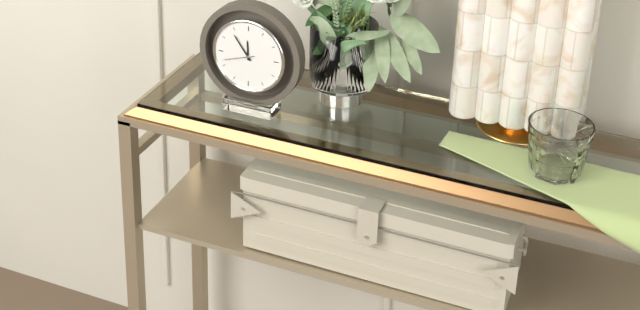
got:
11:54
